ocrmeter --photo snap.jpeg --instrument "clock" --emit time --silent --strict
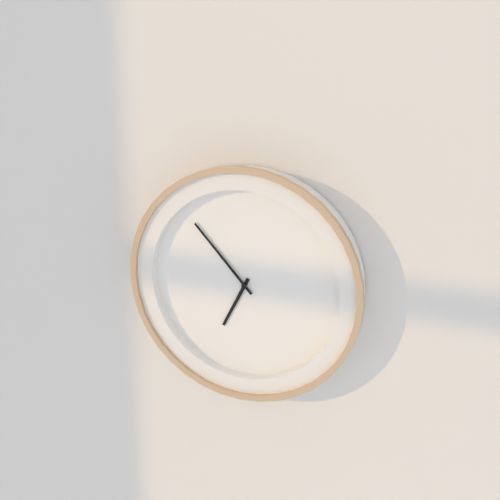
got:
6:53
